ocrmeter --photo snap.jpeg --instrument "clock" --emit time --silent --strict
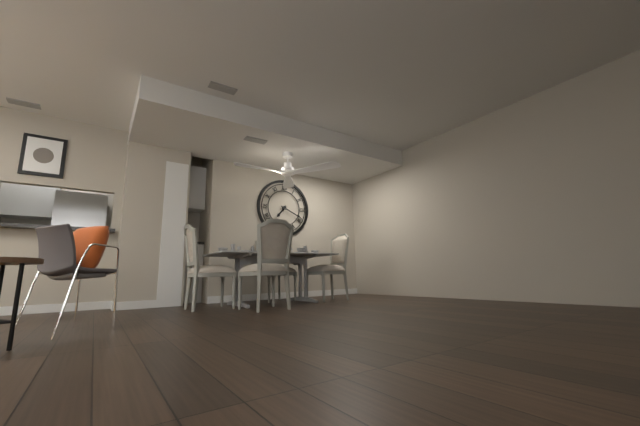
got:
7:19
